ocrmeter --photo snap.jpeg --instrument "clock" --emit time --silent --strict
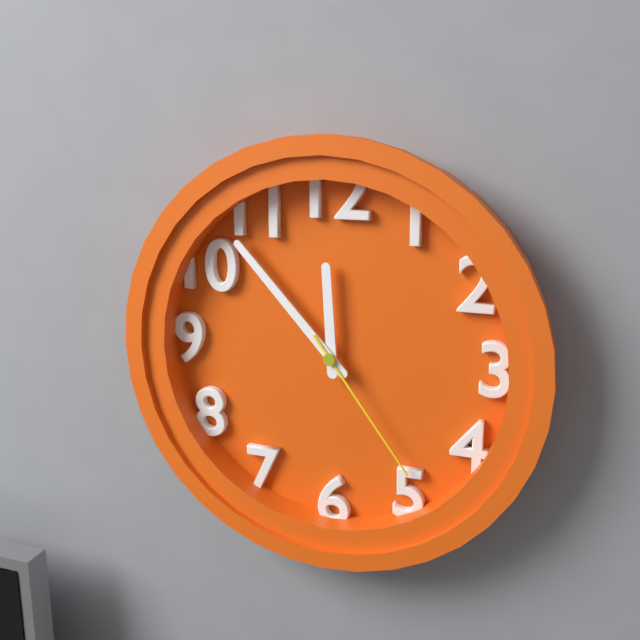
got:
11:53:24
